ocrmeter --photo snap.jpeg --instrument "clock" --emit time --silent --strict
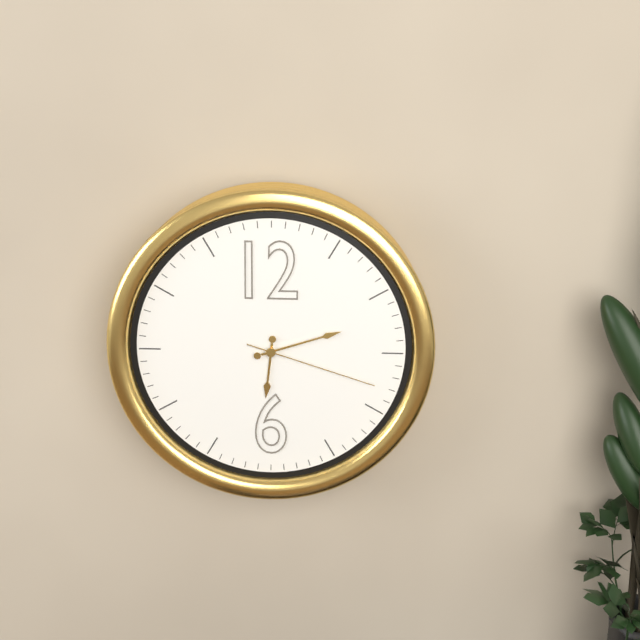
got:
6:12:18
